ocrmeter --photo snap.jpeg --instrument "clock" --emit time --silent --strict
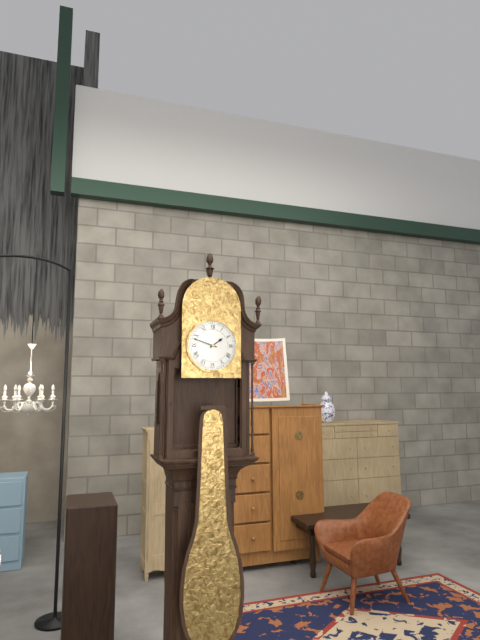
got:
1:48
